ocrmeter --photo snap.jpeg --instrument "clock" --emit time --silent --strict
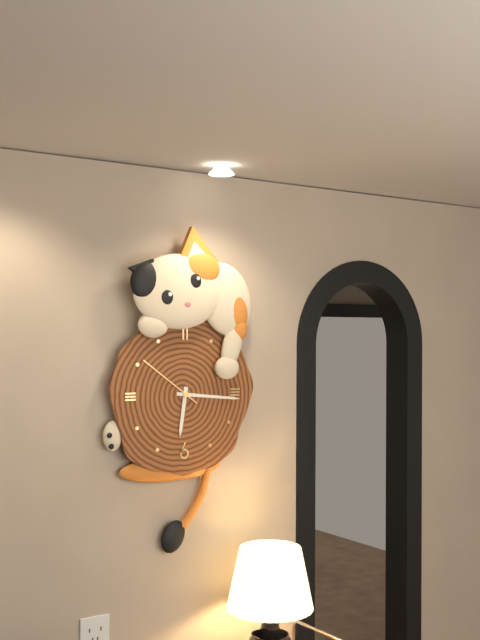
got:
6:16:51
